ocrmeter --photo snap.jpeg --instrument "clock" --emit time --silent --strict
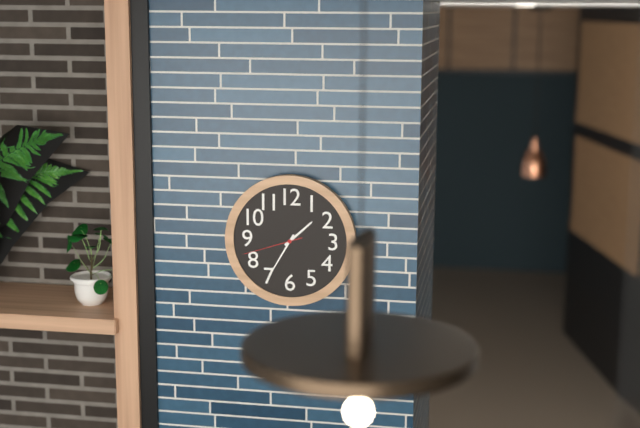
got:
1:35:42
